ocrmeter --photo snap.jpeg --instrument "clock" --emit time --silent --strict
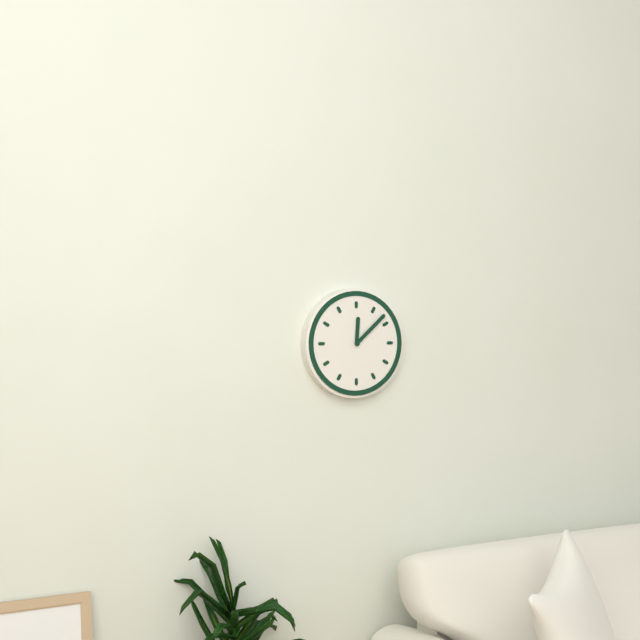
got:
12:08
